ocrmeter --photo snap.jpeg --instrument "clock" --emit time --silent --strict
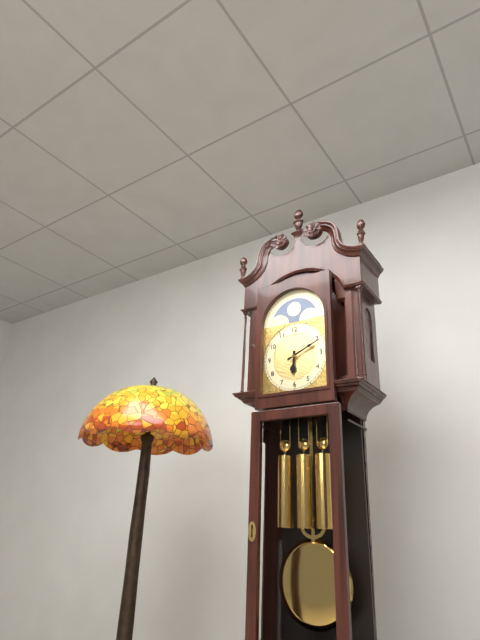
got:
6:11
